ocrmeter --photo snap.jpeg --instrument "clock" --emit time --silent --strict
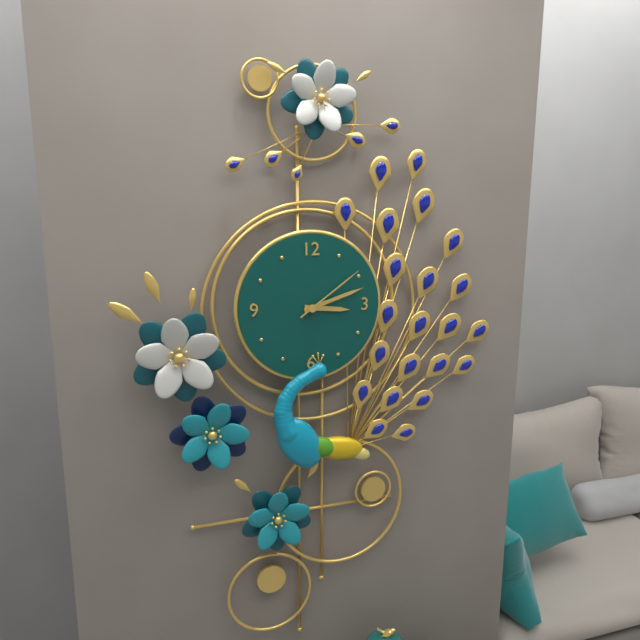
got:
3:12:09
